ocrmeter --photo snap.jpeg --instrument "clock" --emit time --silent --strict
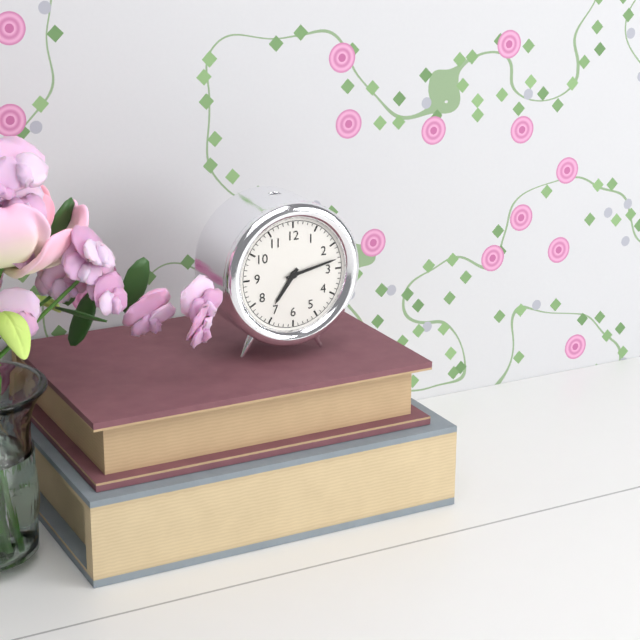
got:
7:13
